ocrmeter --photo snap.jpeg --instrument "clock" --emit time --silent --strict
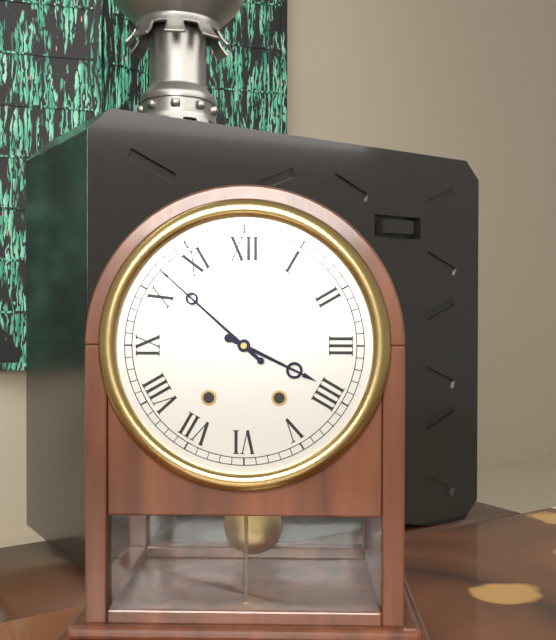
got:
3:52
